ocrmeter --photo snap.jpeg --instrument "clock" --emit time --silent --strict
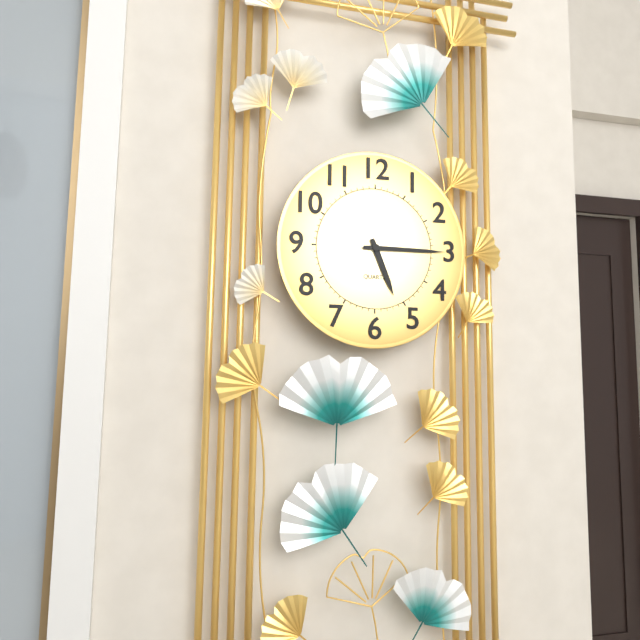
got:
5:15
